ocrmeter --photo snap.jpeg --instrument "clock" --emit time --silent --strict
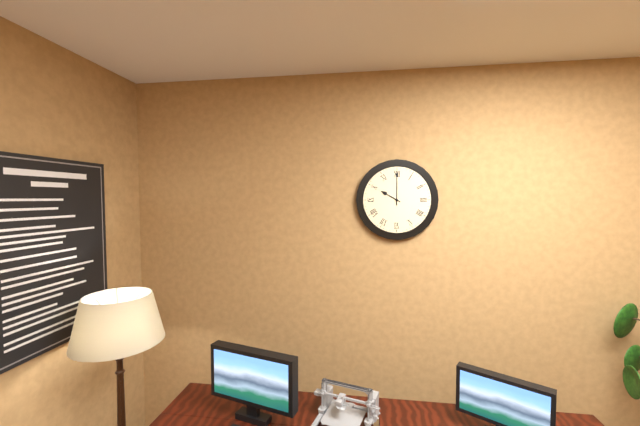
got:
10:00
